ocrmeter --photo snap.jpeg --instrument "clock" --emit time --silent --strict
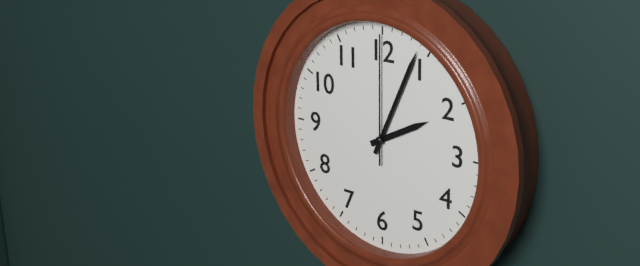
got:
2:04:00
